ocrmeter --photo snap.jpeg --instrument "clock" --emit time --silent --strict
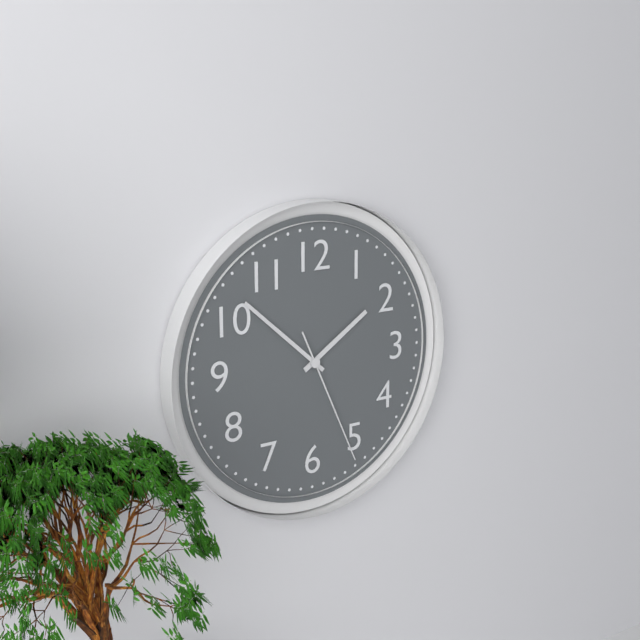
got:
1:52:26
